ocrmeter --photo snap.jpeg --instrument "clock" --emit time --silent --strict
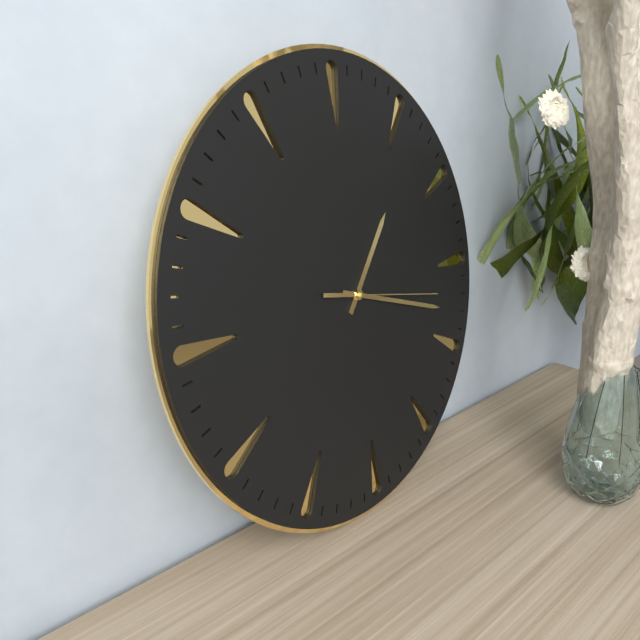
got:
1:18:17
